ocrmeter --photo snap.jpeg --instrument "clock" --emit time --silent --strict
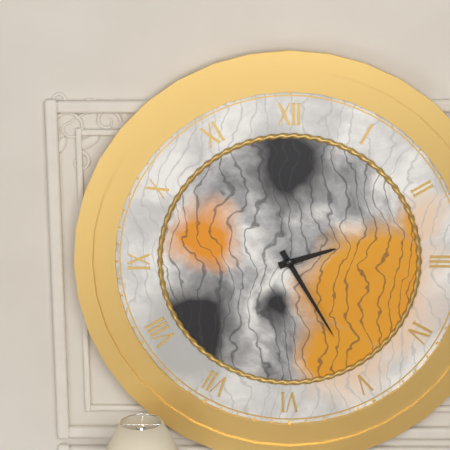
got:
2:25
